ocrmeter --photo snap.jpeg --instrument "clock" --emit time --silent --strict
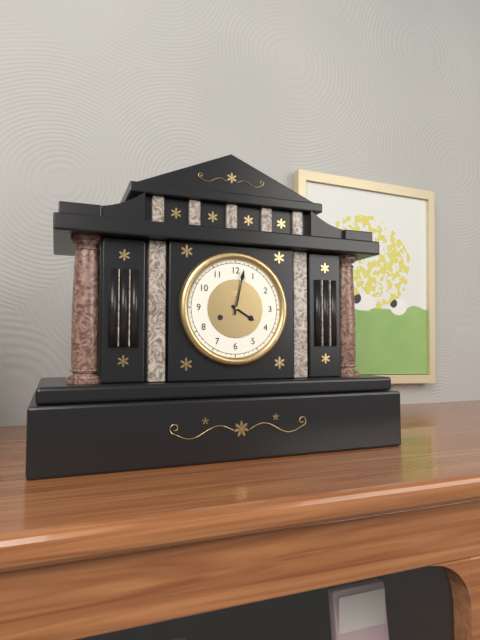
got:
4:02
